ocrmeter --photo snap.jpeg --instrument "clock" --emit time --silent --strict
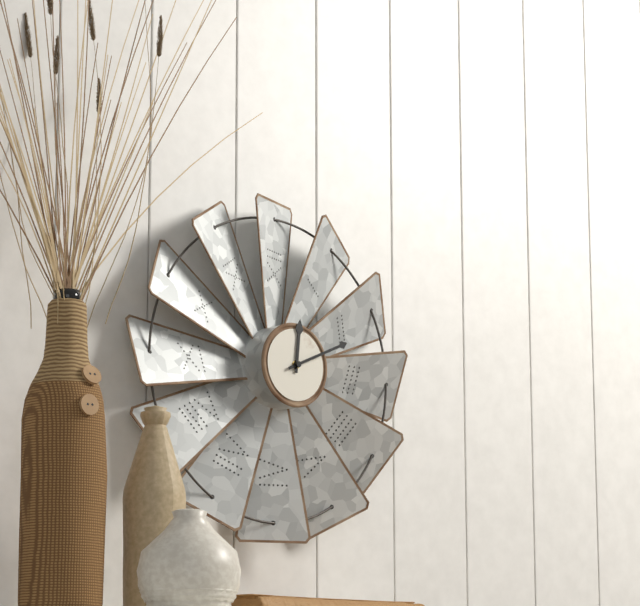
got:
12:11
